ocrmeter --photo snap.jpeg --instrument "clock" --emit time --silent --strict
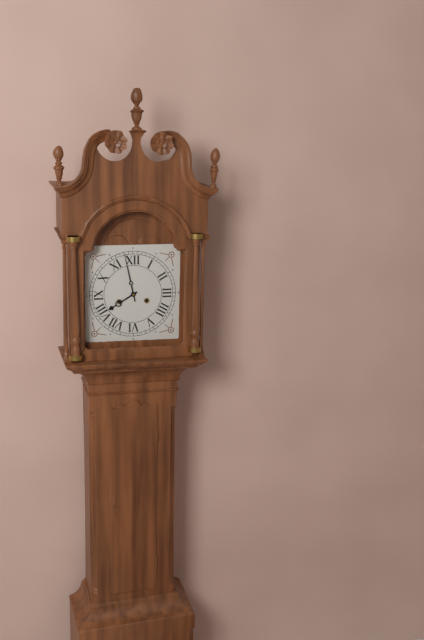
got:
7:58
